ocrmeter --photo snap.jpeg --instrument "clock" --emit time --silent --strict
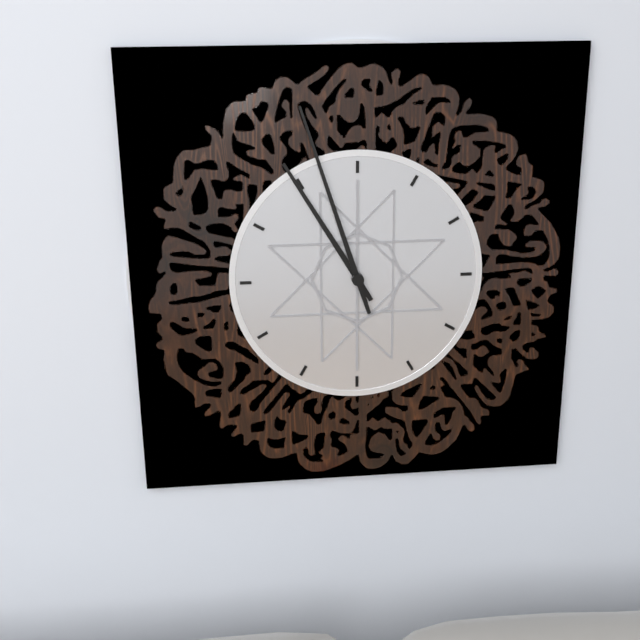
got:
10:57
